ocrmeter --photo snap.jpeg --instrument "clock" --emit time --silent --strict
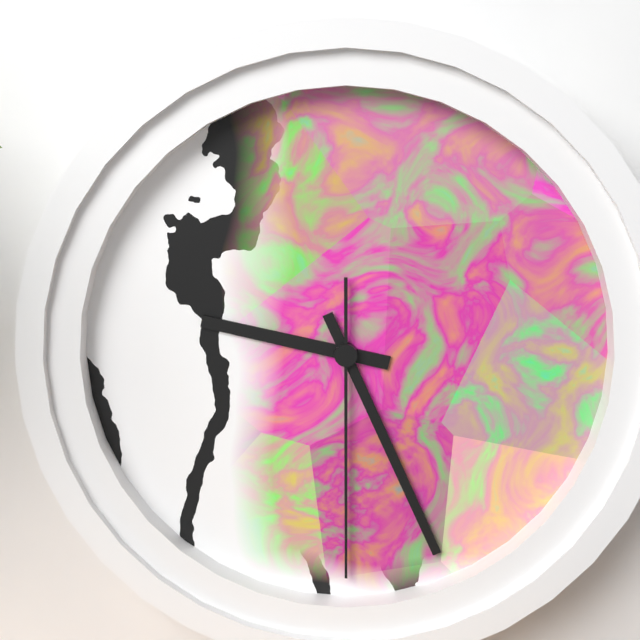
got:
9:26:30
